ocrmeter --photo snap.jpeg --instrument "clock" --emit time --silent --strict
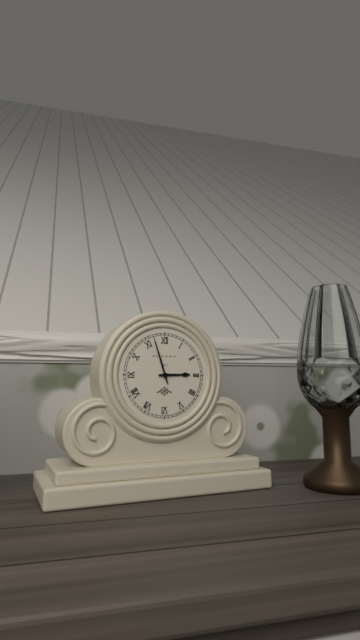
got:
2:57
